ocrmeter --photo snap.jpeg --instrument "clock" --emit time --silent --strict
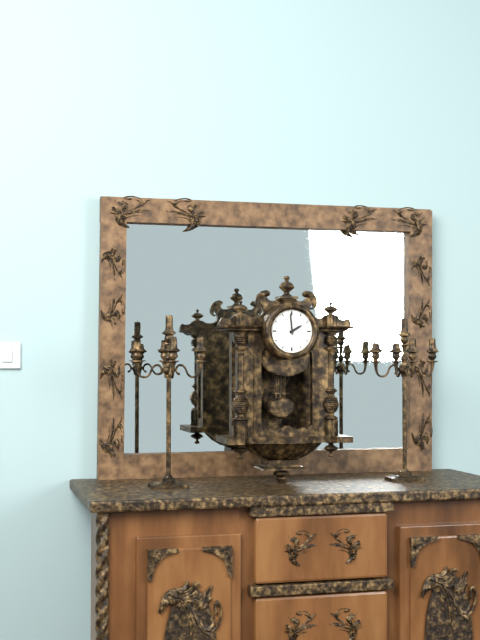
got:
1:59
